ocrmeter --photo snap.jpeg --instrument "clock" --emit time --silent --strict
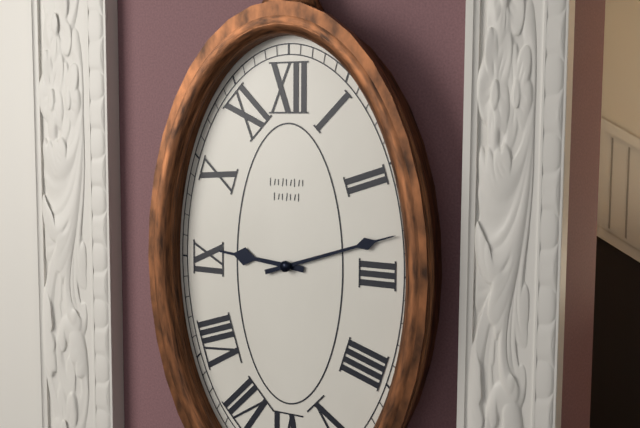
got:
9:12
